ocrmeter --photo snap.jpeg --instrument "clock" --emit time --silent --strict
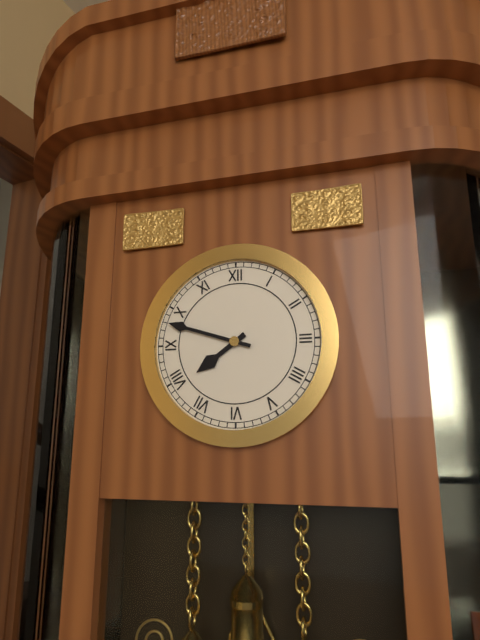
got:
7:48
